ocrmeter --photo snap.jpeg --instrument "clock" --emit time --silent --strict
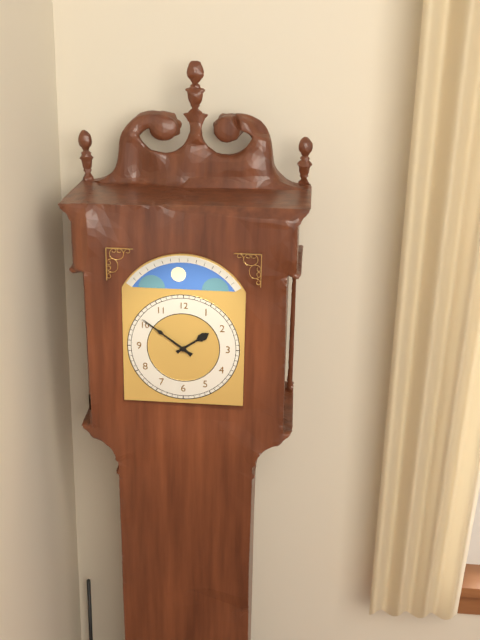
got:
1:51
